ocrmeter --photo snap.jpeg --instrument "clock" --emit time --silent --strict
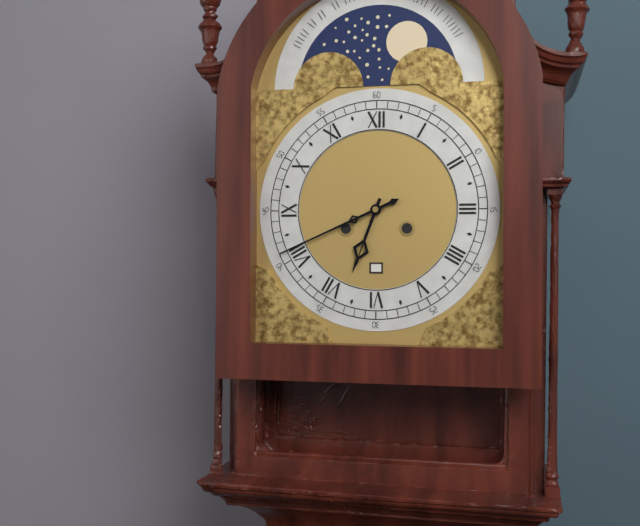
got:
6:41
